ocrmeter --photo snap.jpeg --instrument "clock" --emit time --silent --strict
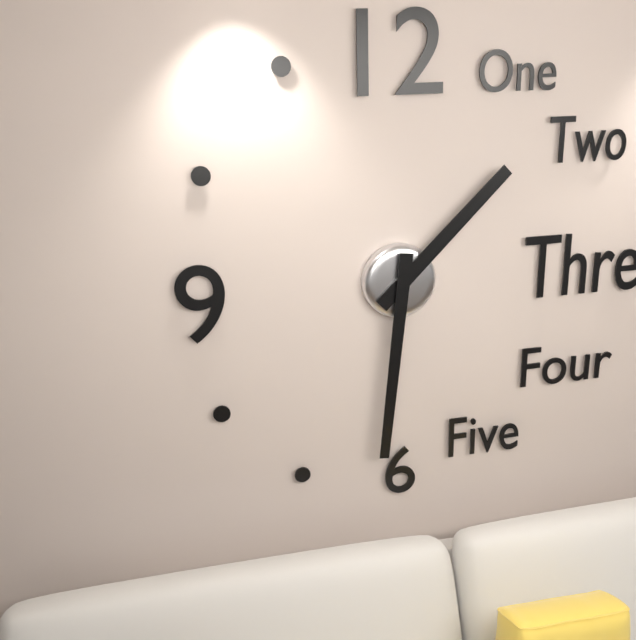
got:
1:31
